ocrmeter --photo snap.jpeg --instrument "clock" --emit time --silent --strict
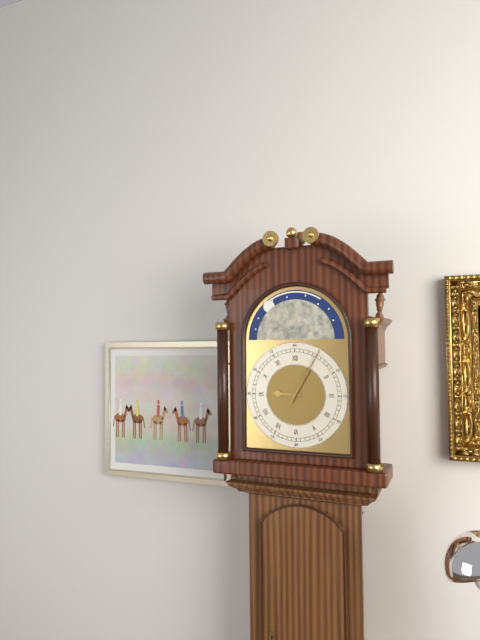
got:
9:05
